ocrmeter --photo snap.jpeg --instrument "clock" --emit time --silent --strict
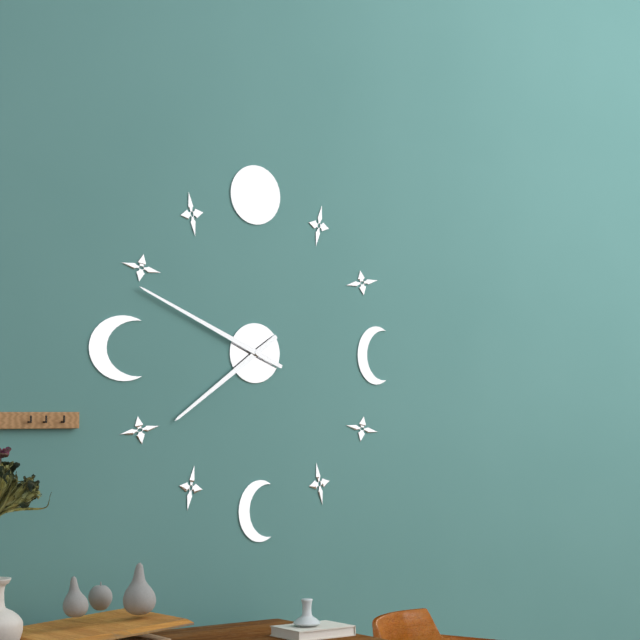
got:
7:49
